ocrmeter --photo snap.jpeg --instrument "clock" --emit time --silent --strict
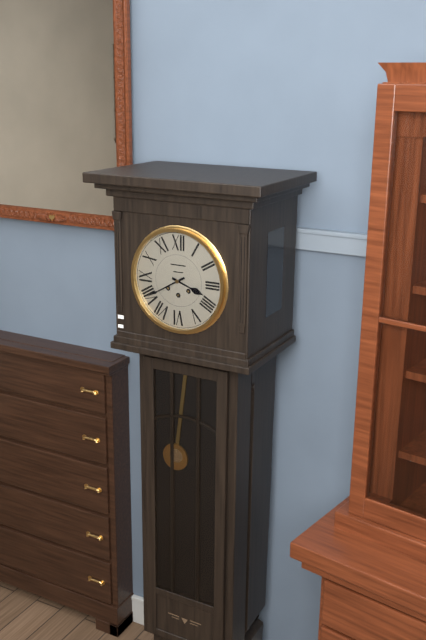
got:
3:40
